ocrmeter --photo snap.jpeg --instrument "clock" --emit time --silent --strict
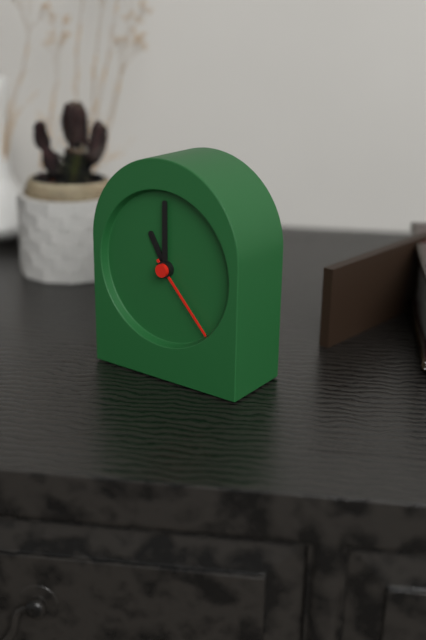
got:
11:00:23
